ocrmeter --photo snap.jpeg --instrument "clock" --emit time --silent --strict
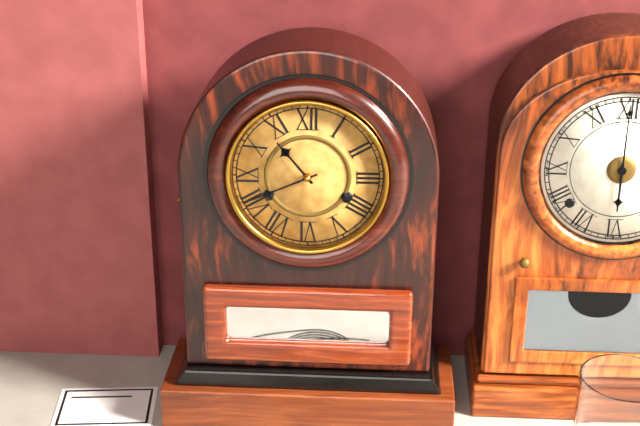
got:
10:41
